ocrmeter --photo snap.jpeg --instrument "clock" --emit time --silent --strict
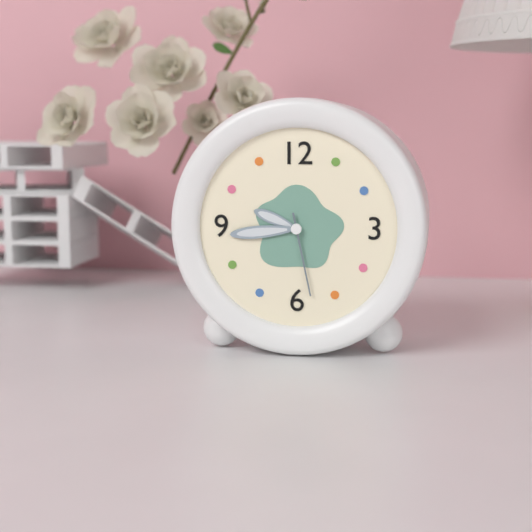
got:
9:44:28
